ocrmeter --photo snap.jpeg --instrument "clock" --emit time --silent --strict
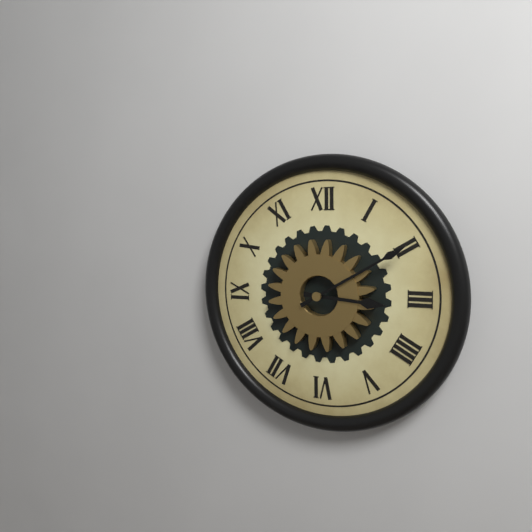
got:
3:10
